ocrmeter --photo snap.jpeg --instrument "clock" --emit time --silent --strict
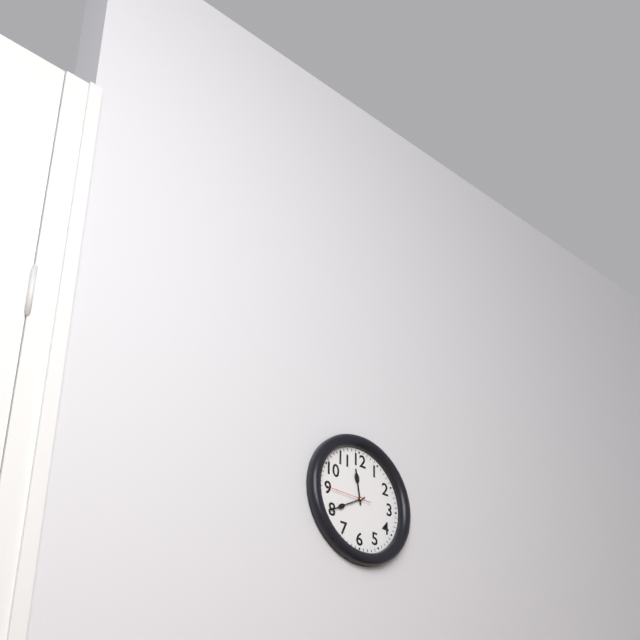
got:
11:40
